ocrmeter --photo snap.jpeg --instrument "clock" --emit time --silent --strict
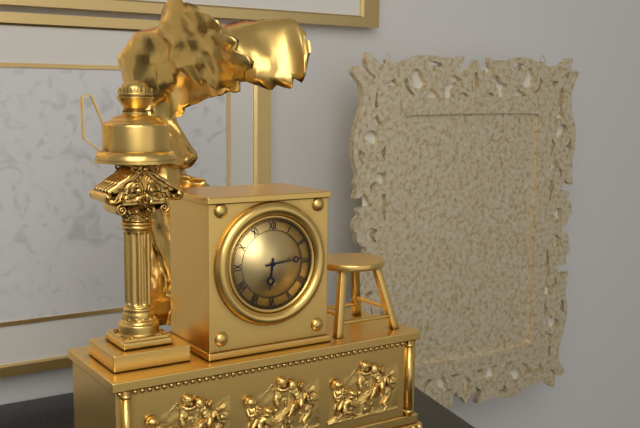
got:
6:14
